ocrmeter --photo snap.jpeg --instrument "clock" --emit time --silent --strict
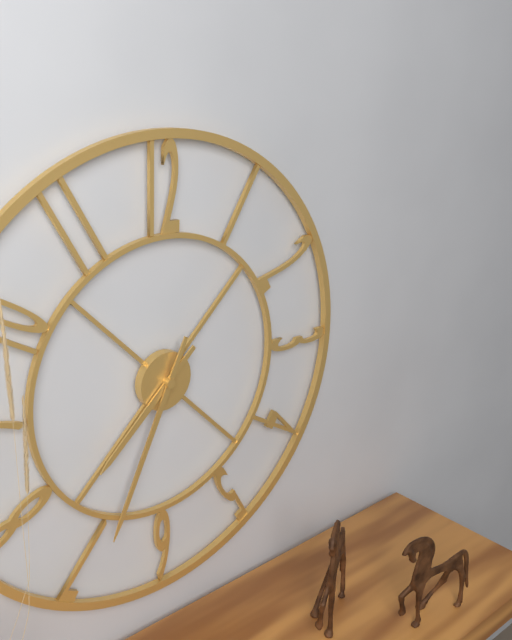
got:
7:34
